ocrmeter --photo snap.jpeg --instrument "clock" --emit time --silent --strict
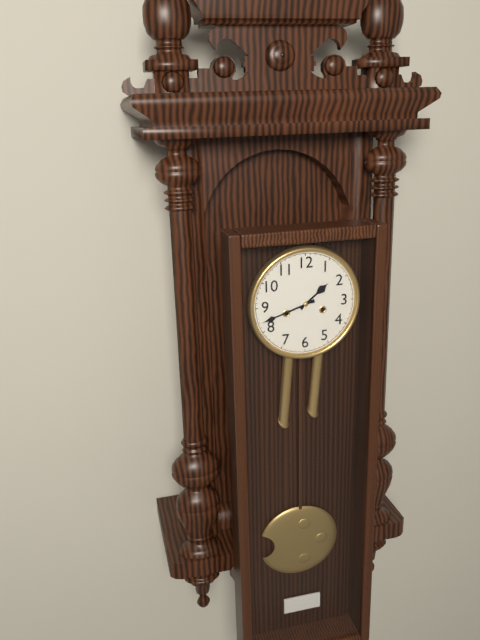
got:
1:42
